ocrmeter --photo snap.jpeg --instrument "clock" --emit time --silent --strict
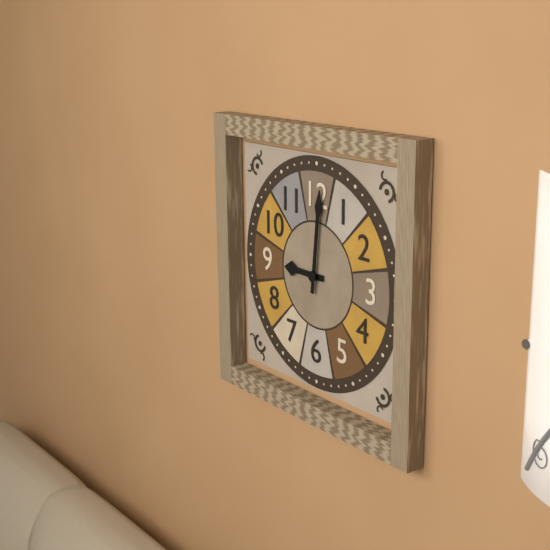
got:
9:01
